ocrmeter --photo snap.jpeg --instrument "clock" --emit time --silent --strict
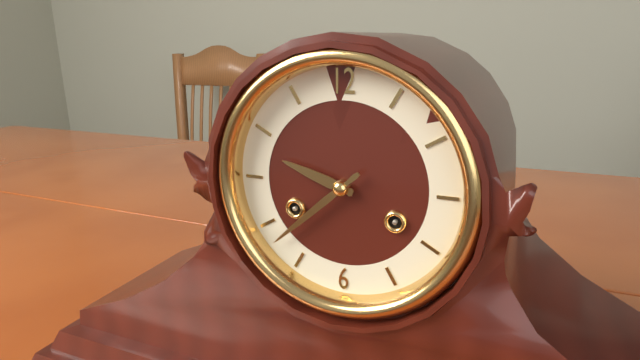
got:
9:38
